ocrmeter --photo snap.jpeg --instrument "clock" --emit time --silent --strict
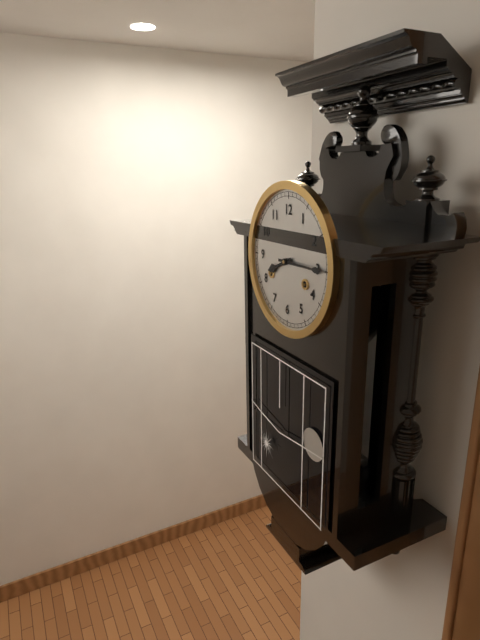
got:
8:15
